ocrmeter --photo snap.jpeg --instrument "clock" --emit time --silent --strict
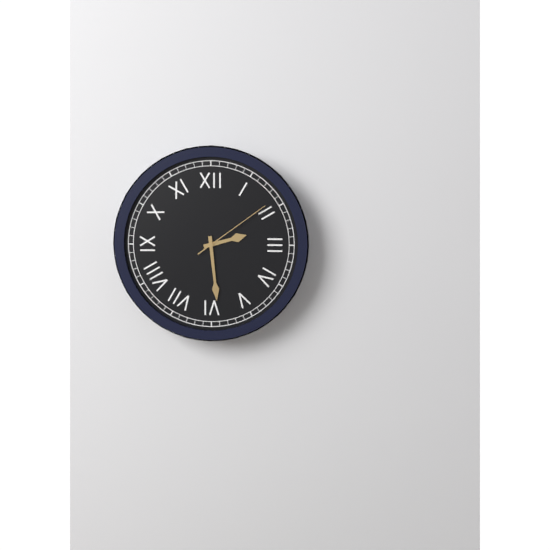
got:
2:29:09
